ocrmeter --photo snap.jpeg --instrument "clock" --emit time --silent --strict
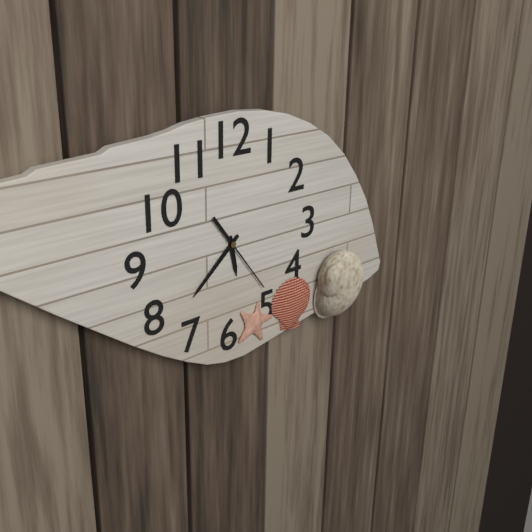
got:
5:38:24
